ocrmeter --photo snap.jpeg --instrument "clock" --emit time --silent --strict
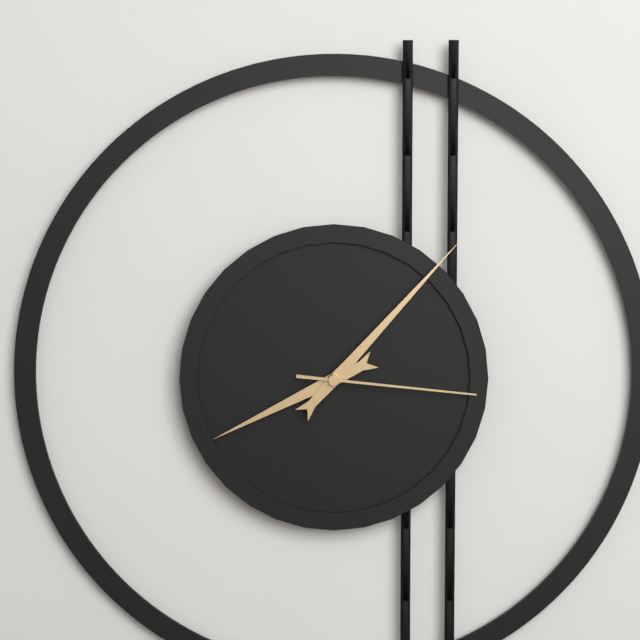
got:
8:07:16
